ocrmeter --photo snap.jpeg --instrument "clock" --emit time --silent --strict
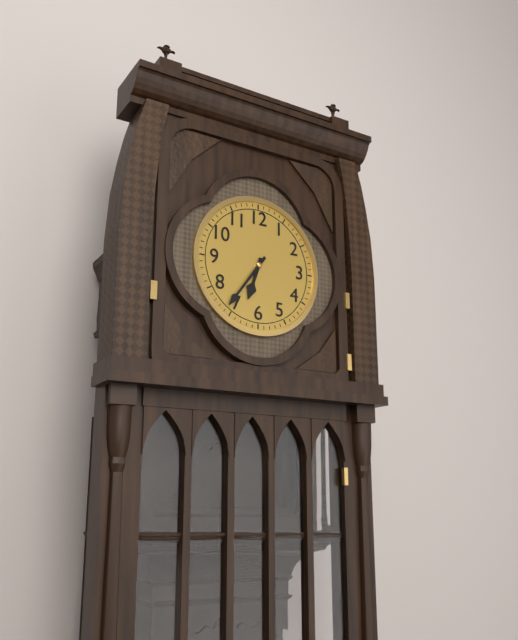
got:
6:36
